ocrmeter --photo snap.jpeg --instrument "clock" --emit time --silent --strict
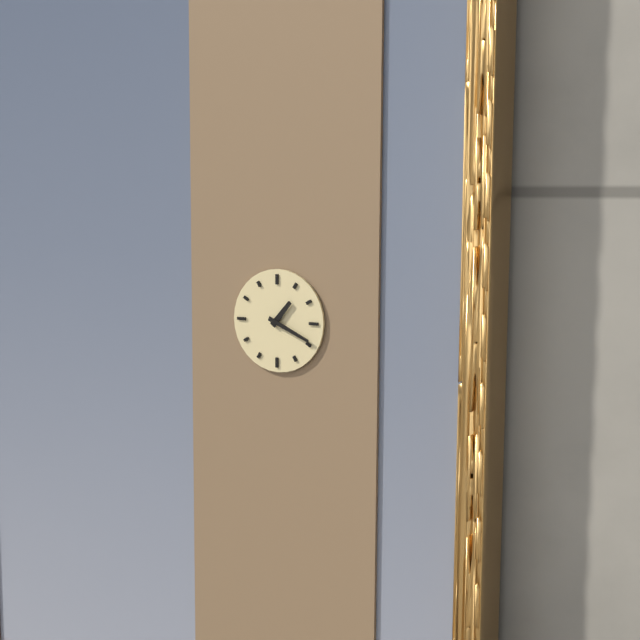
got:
1:19
